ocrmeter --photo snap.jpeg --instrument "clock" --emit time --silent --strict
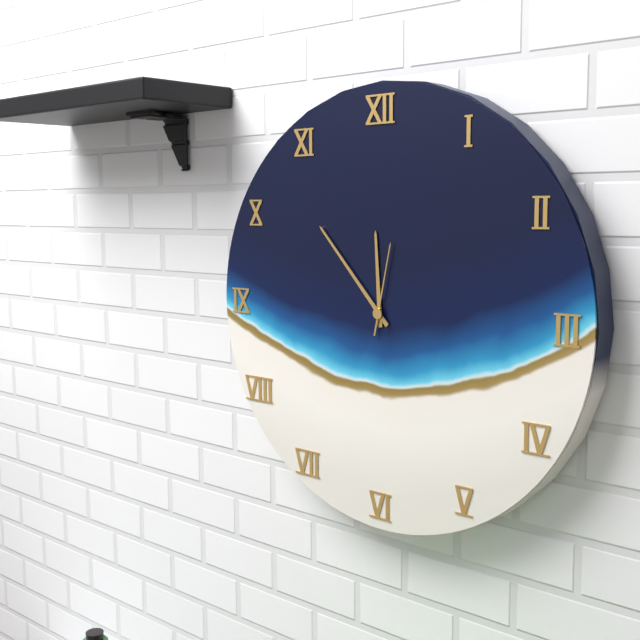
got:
11:53:02
